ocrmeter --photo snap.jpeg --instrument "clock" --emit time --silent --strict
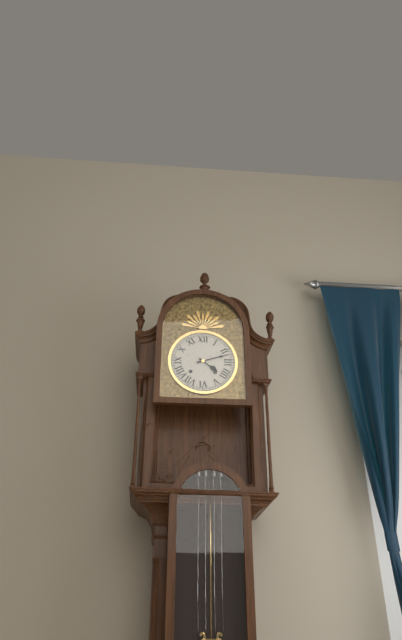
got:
4:12
